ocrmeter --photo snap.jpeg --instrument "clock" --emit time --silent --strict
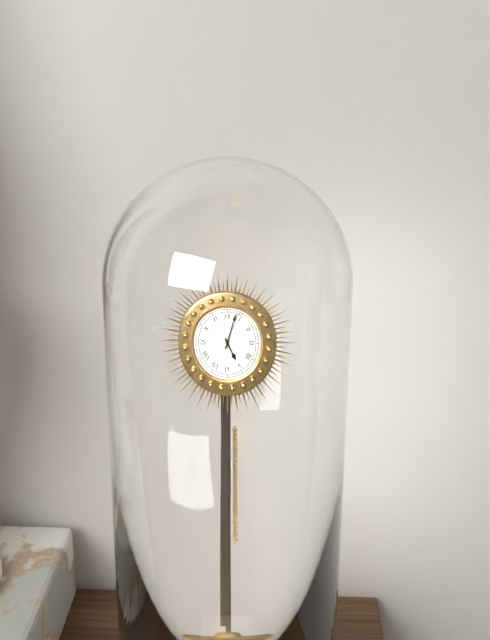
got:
5:03
